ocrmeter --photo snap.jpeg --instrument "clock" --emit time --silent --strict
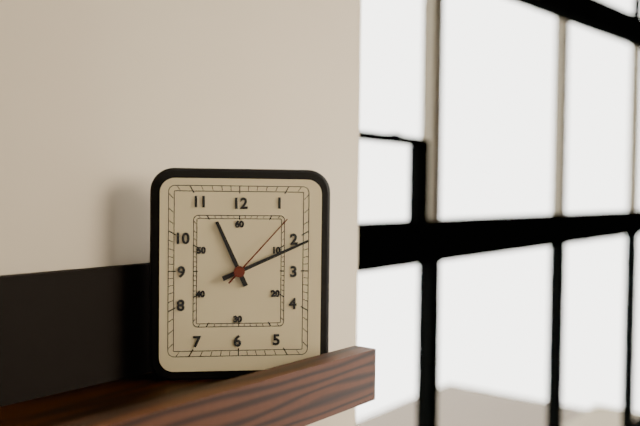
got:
11:11:07
